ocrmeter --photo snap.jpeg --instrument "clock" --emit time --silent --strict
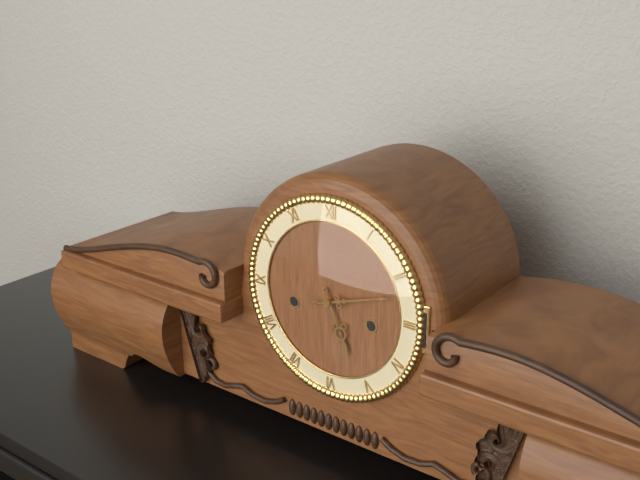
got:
5:12
